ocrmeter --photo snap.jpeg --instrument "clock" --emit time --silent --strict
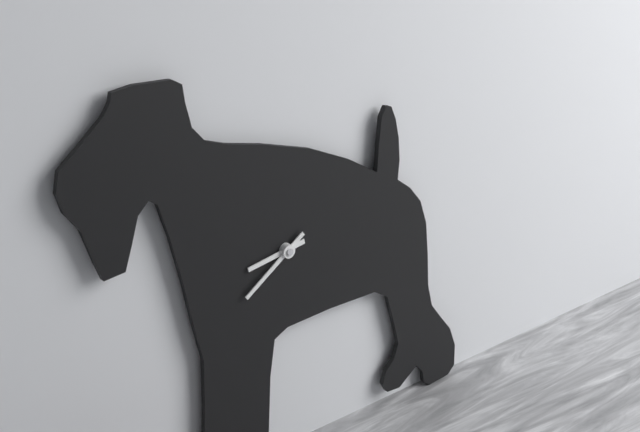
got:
8:39
